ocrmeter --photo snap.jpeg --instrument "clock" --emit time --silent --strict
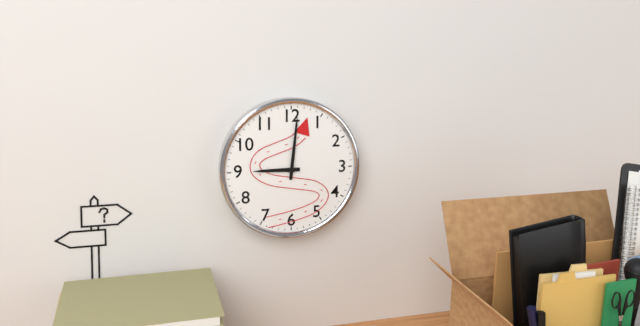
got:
9:01
